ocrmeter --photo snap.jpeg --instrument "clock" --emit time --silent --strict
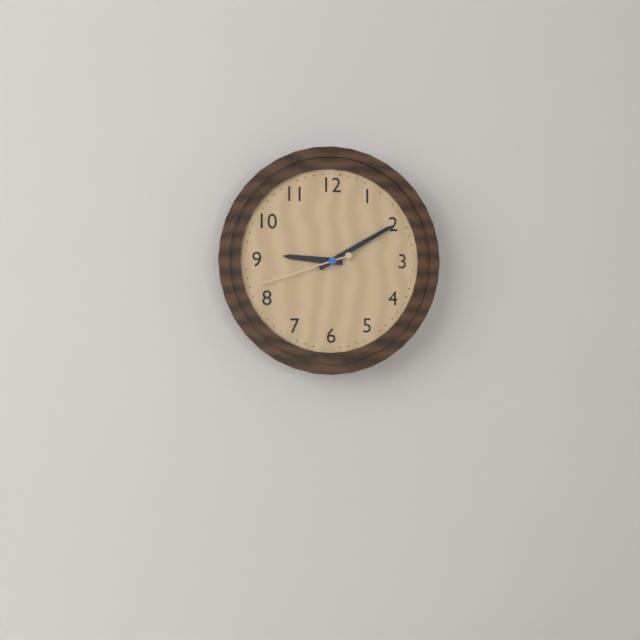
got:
9:10:42
